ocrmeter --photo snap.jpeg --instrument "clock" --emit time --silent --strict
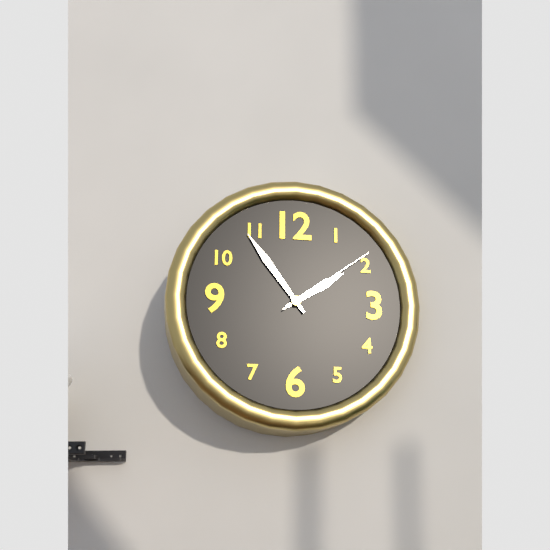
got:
1:54:09
